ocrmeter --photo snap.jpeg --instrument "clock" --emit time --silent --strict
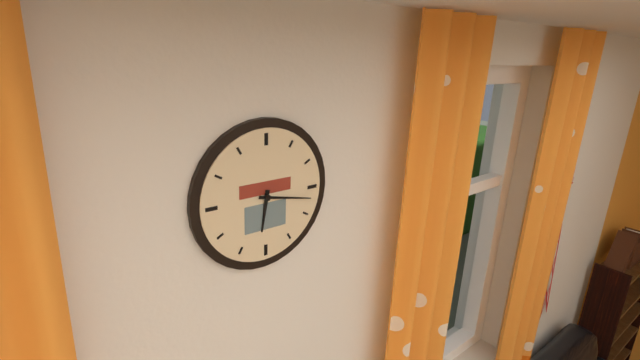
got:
6:17
